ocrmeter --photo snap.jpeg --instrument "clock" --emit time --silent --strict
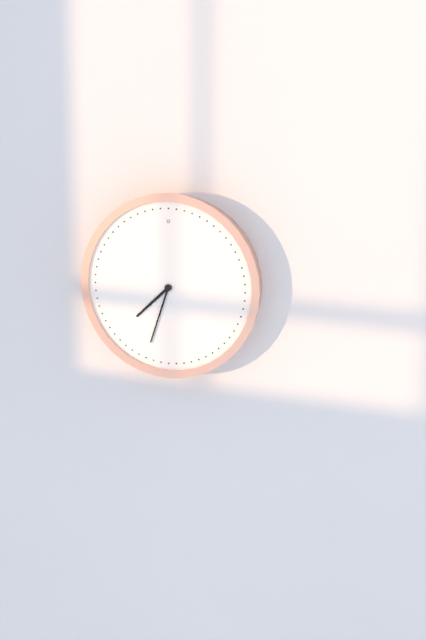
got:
7:33
